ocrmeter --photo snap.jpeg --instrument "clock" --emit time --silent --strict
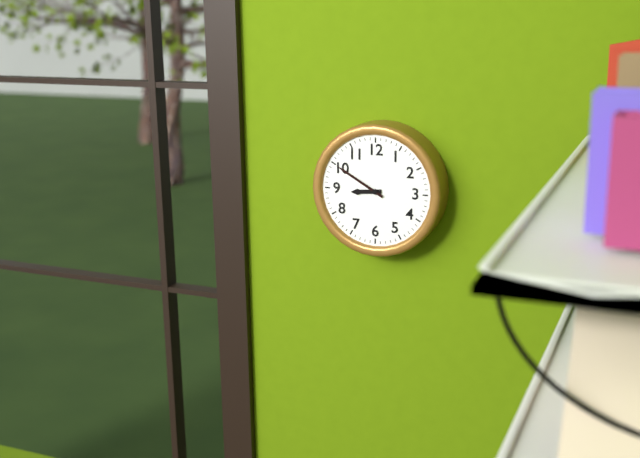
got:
8:50
